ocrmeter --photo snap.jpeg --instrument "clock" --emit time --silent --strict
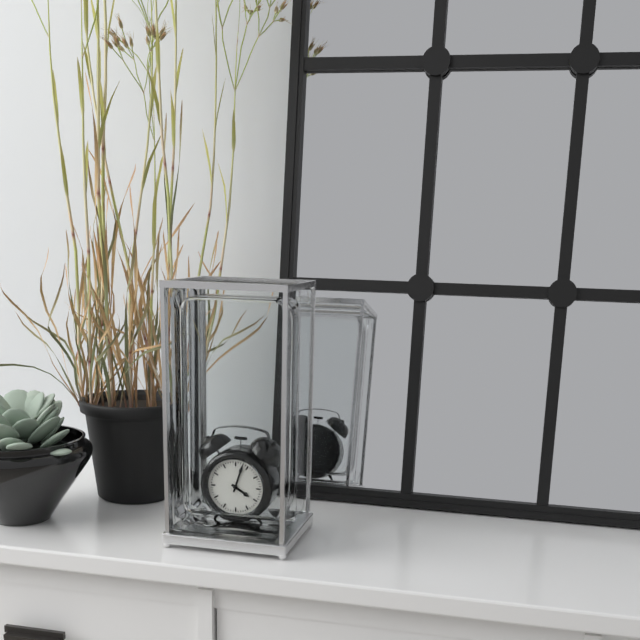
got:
4:03
